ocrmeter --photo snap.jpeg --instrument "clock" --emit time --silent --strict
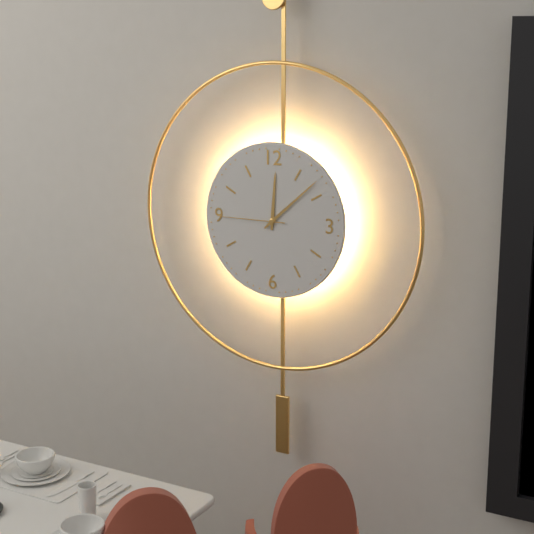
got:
12:08:45
